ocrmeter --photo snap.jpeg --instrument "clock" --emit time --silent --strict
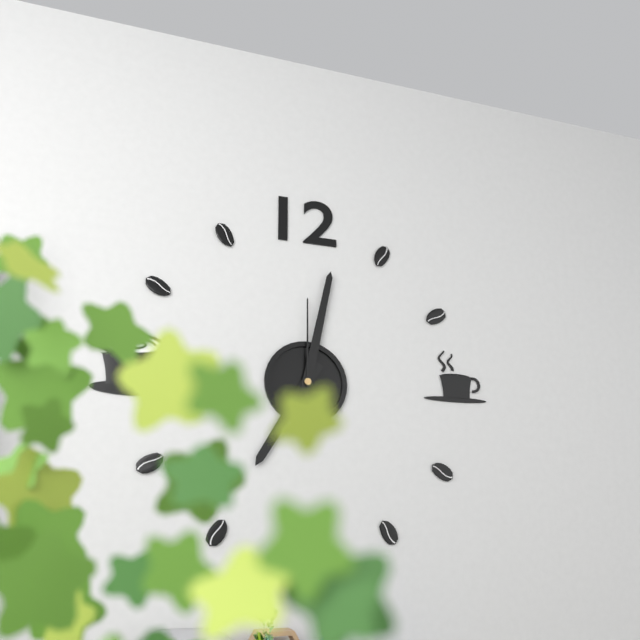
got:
7:02:00
